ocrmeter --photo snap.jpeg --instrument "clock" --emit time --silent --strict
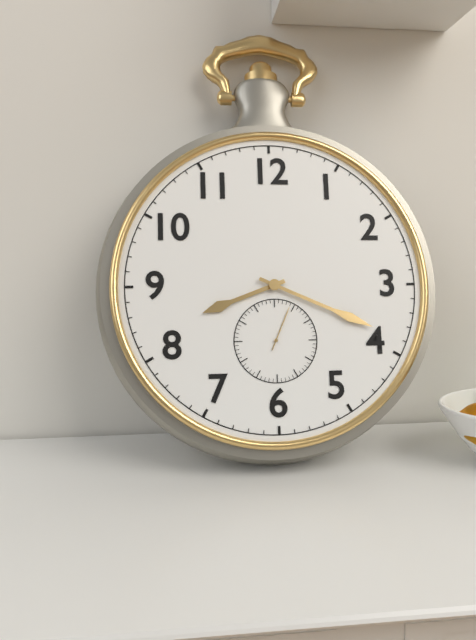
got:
8:19
